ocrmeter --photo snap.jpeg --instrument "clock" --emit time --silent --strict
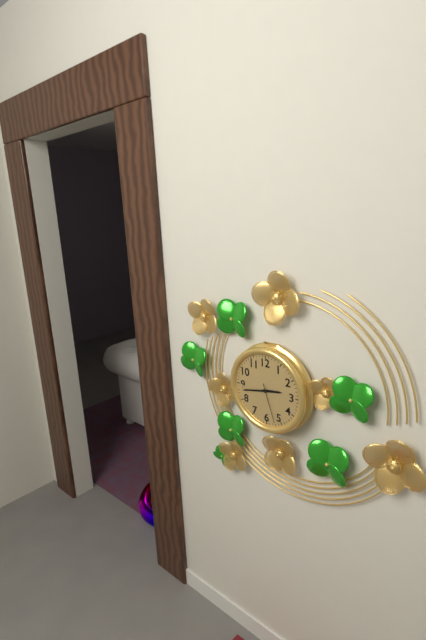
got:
2:43
